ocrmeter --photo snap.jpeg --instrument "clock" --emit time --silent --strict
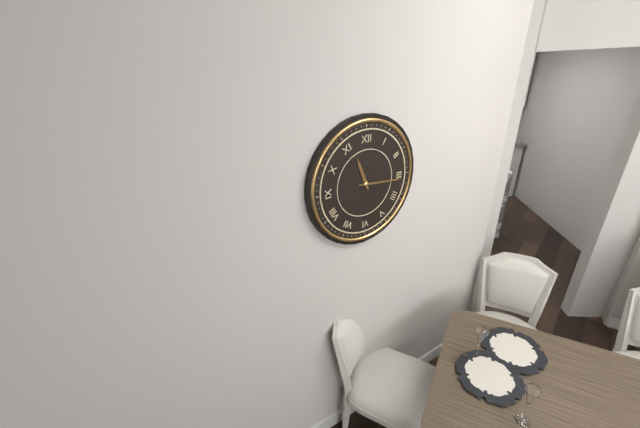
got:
11:16
